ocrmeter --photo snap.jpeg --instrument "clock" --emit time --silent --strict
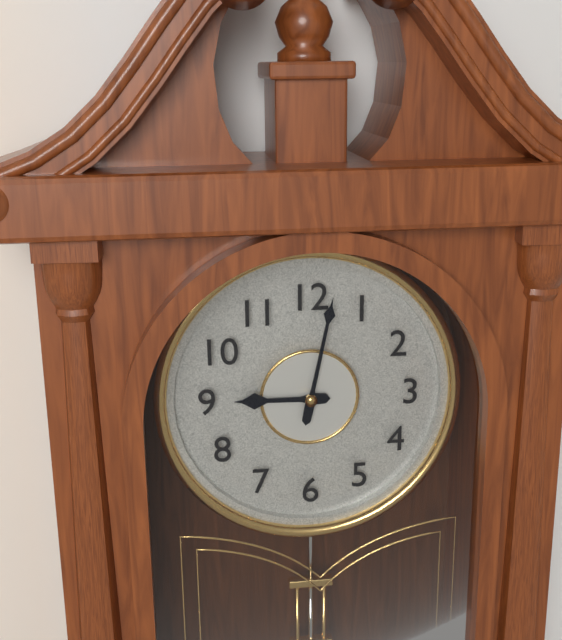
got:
9:02
